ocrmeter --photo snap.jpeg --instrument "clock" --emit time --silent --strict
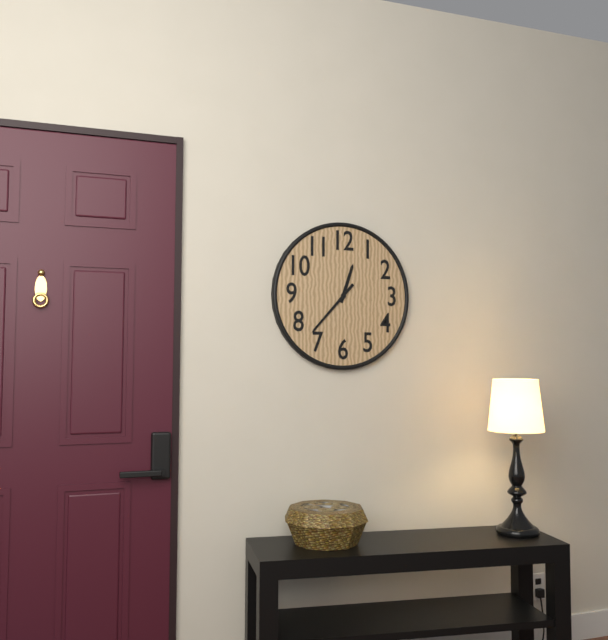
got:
12:37
